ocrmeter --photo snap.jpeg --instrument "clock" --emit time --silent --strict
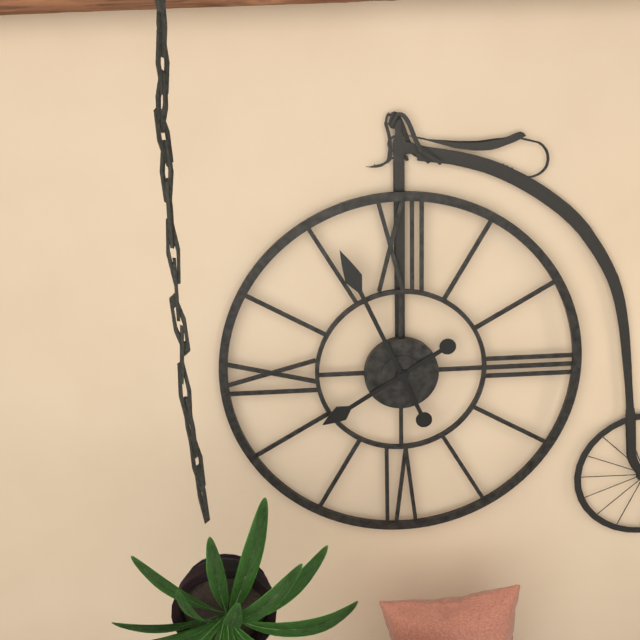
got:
7:56
